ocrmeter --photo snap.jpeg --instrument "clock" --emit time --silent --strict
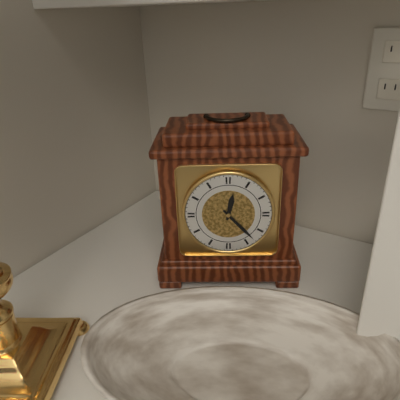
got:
12:23
